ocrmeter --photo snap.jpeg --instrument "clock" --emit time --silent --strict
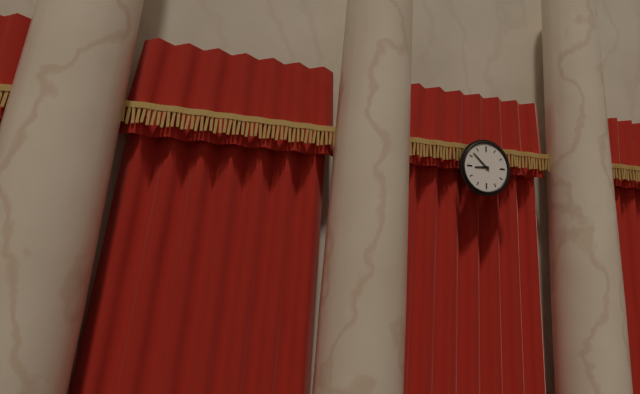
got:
8:52
